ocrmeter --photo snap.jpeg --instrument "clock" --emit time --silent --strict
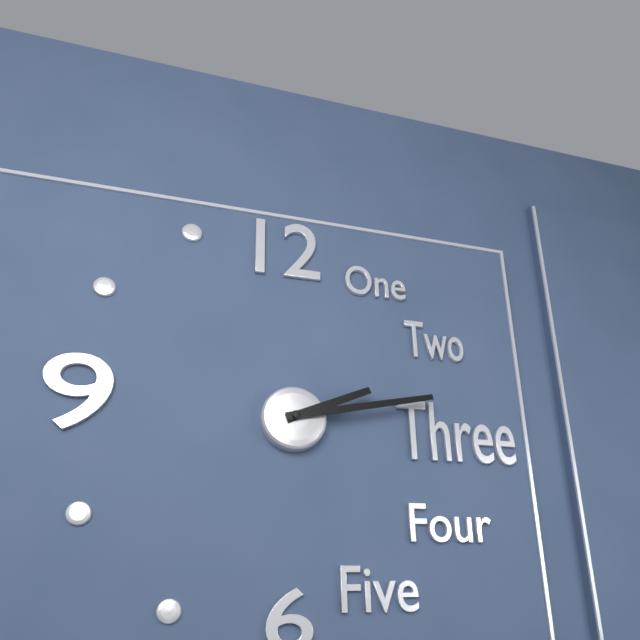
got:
2:13
